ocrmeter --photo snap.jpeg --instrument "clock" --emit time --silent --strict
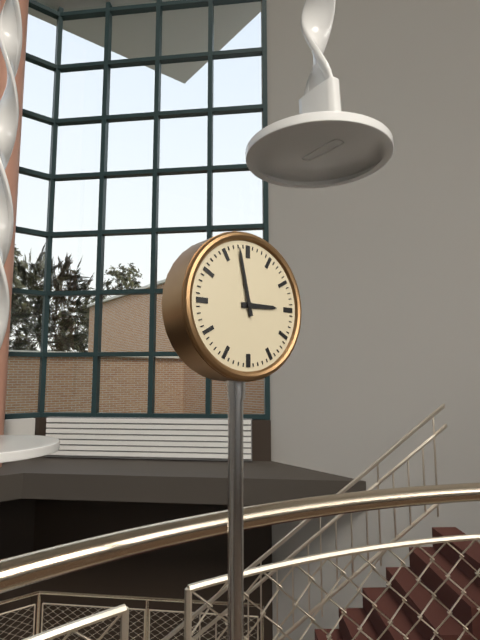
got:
2:58
